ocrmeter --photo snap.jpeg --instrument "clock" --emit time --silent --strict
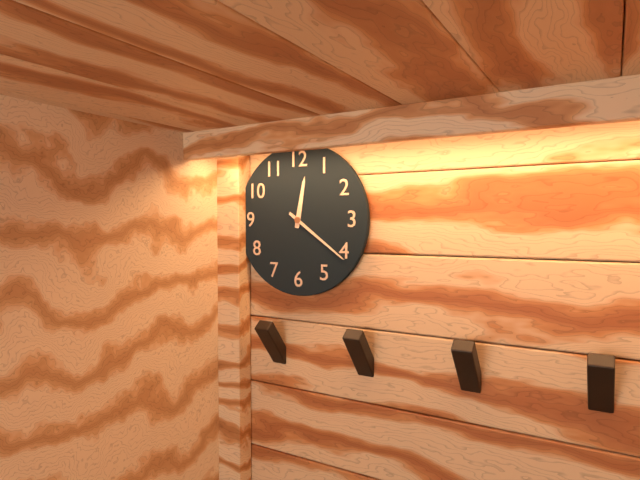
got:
12:21
